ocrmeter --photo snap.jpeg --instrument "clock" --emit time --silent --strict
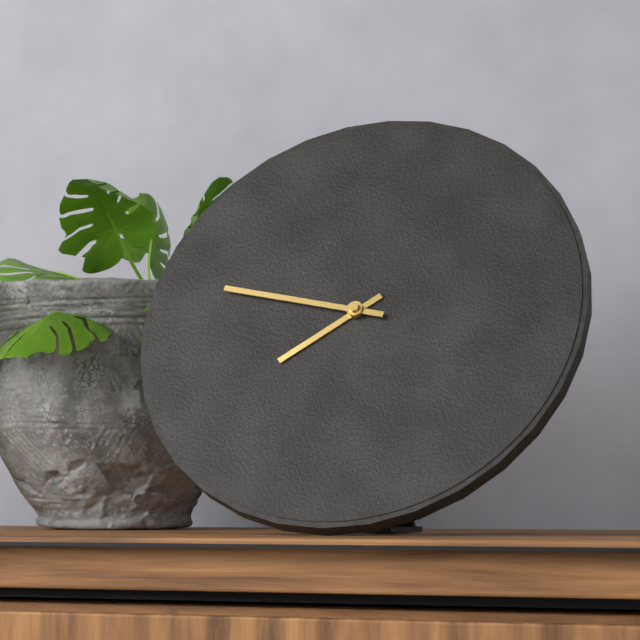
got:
7:47
